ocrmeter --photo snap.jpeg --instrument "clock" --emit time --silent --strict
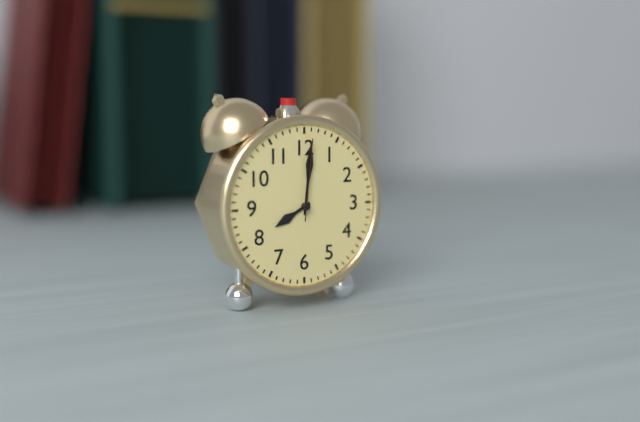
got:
8:01:01
